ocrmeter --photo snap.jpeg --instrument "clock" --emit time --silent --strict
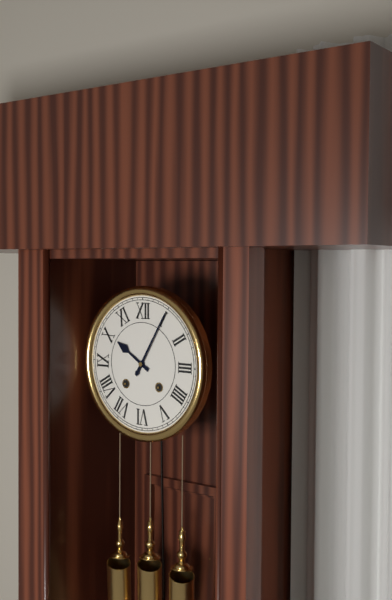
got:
10:05
